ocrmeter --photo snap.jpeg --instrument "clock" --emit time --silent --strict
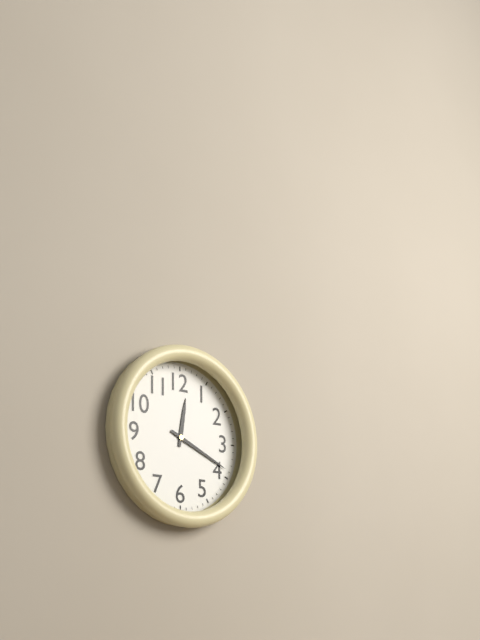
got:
12:19
